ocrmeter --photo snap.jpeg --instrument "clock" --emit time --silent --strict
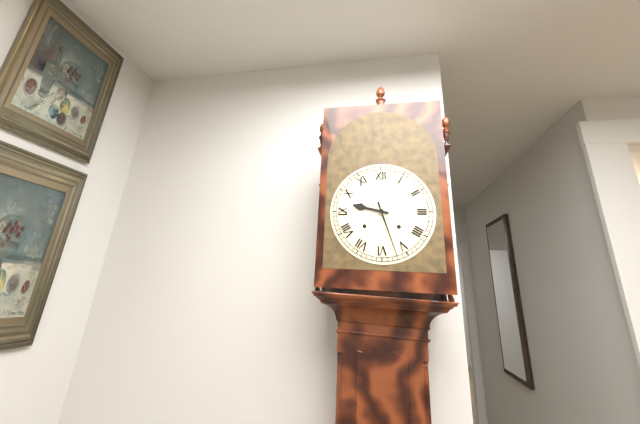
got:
9:27
